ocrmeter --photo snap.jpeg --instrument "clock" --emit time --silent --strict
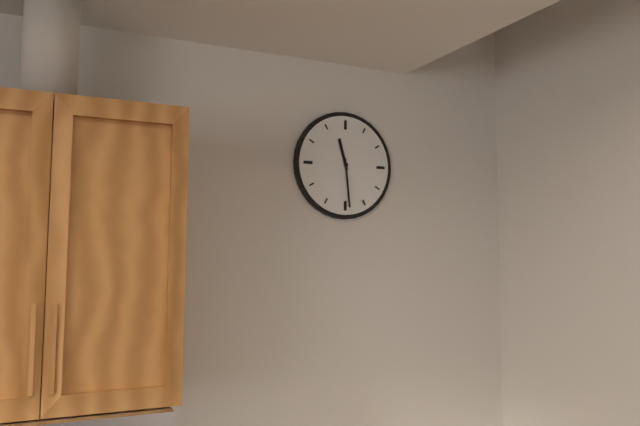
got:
11:29
